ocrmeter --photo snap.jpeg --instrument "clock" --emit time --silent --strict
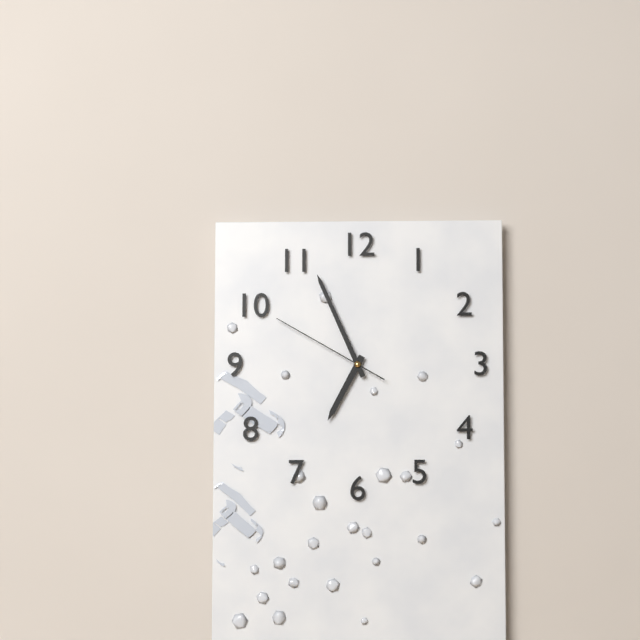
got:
6:56:50
